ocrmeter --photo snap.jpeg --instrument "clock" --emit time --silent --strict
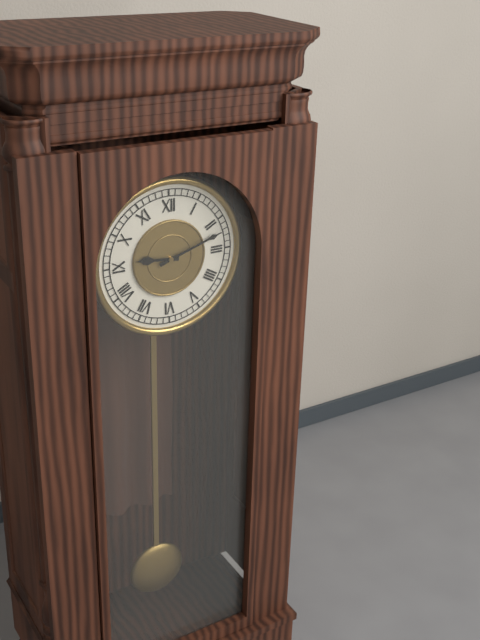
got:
9:12
